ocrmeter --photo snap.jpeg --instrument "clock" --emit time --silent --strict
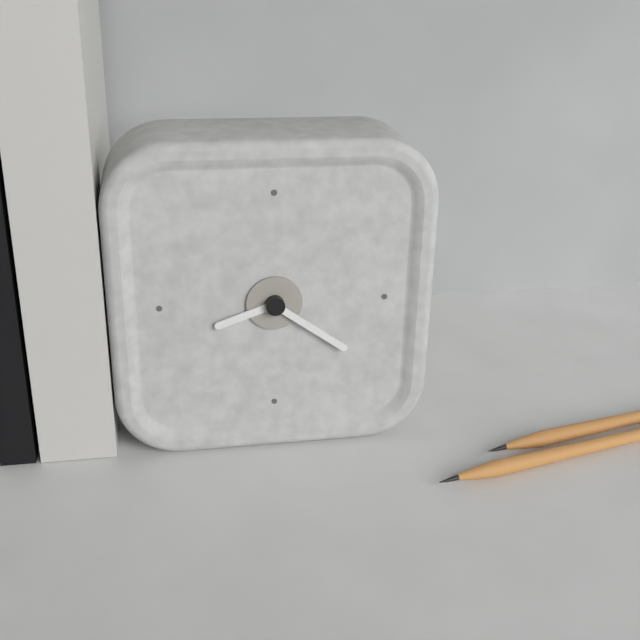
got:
8:21
